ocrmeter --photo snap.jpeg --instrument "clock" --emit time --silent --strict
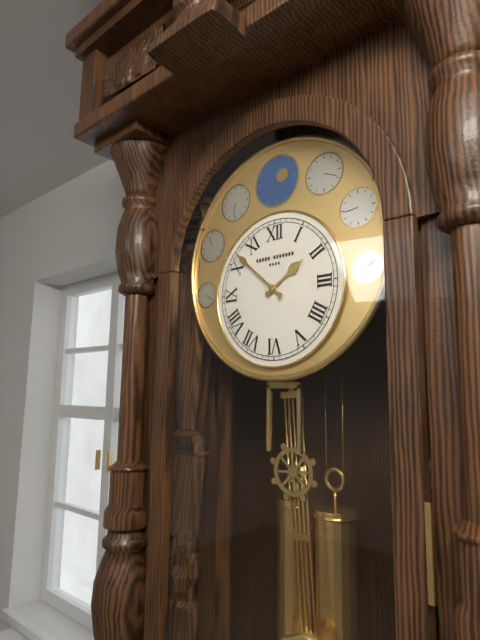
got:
1:52
